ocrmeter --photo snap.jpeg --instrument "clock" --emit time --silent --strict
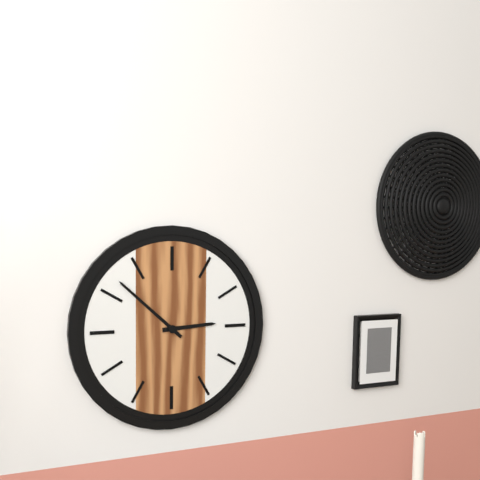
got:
2:52
